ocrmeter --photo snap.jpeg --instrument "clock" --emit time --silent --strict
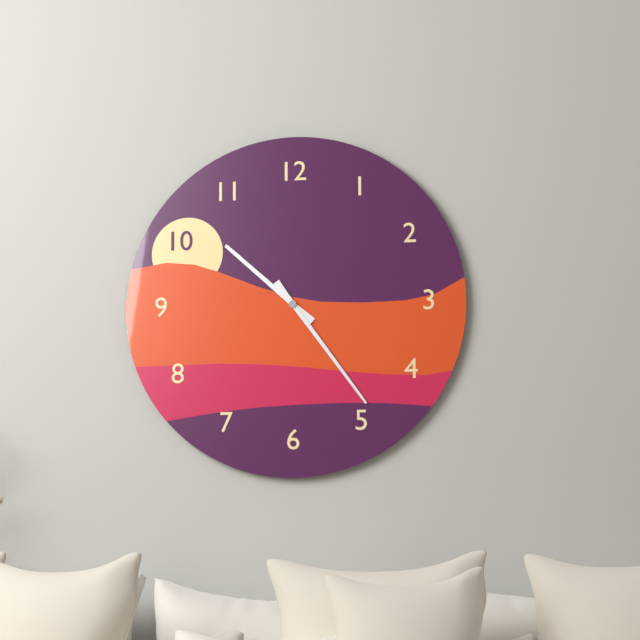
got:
10:24
